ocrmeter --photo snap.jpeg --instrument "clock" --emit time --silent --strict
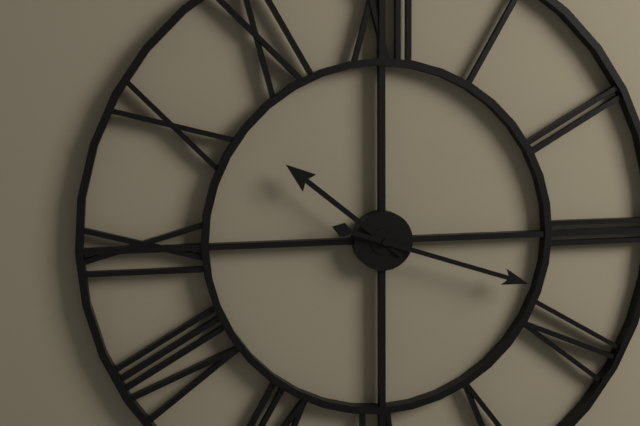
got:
10:18
